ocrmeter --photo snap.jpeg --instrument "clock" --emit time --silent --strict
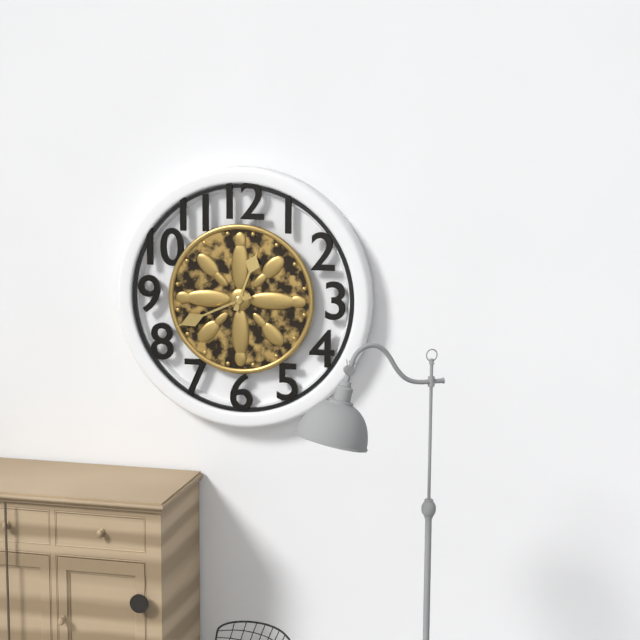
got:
12:41
